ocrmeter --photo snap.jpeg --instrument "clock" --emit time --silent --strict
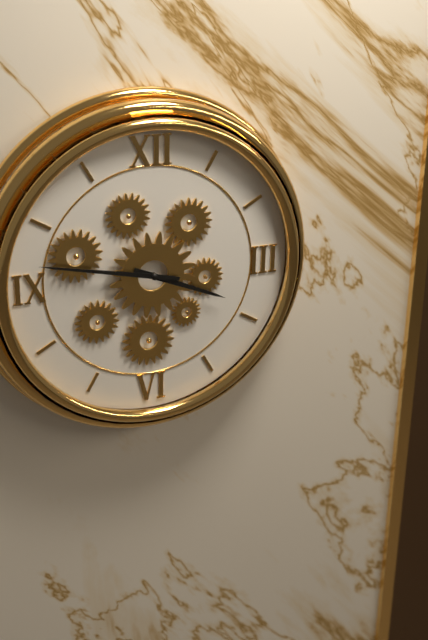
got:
3:47
